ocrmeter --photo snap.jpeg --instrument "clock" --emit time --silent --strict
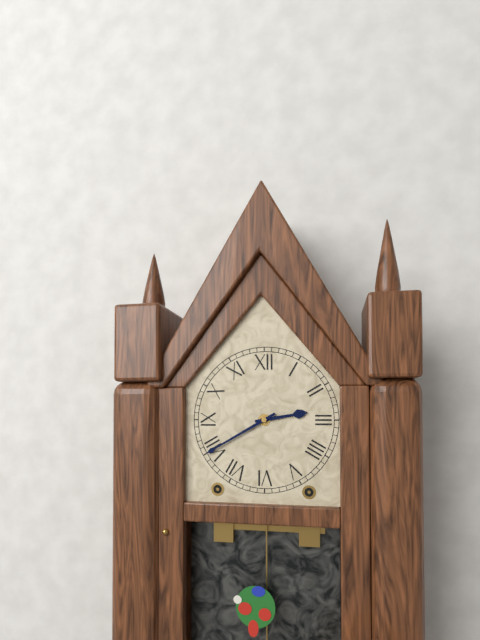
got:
2:40
